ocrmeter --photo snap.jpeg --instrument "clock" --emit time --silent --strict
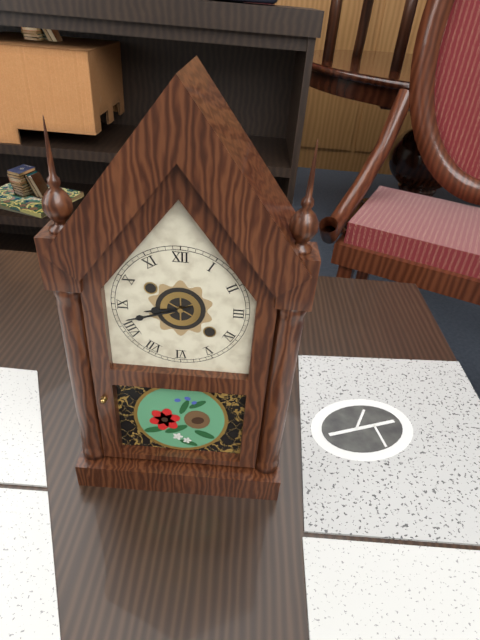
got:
8:42
